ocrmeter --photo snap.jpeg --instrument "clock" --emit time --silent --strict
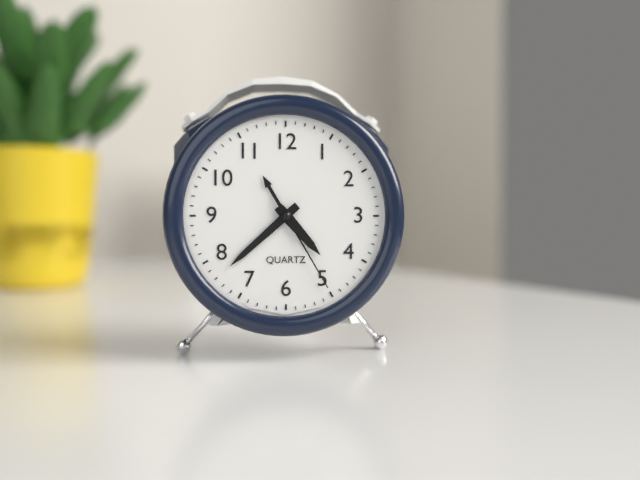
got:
4:38:25
